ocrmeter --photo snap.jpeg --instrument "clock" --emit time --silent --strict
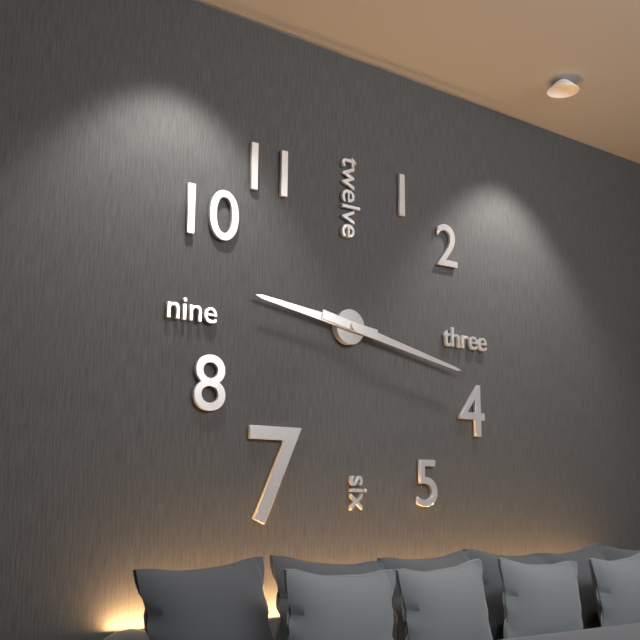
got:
9:17
